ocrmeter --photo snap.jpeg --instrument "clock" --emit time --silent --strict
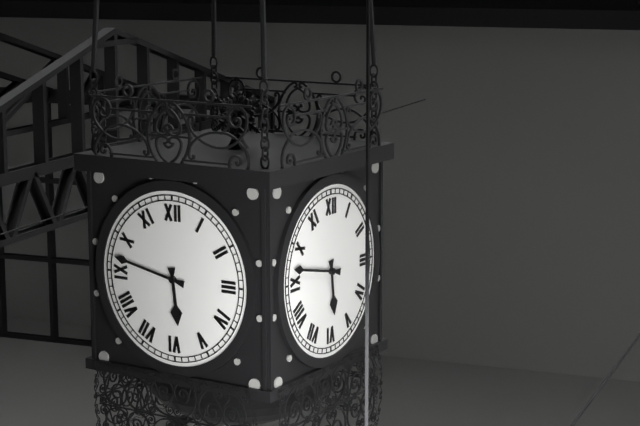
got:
5:47
